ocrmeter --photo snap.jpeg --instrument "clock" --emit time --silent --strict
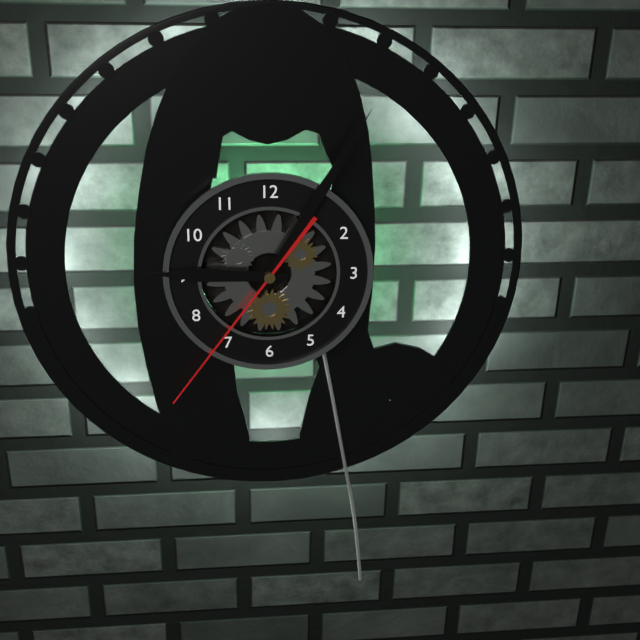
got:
9:05:36
